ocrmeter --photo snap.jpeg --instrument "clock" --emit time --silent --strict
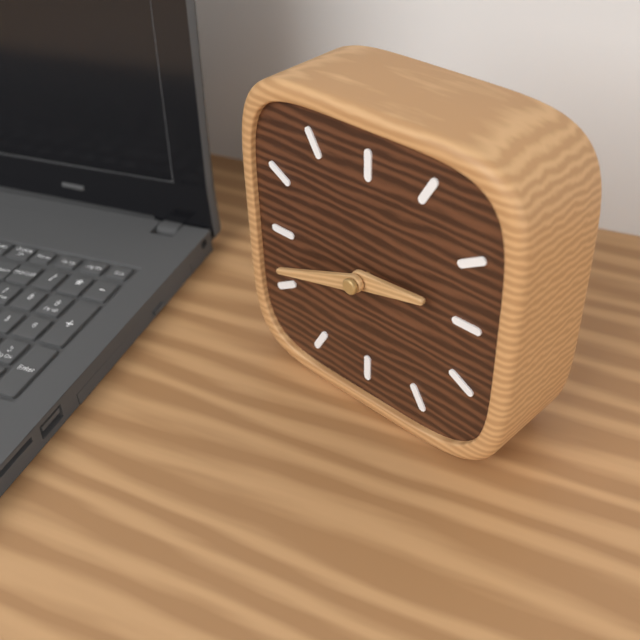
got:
2:42
